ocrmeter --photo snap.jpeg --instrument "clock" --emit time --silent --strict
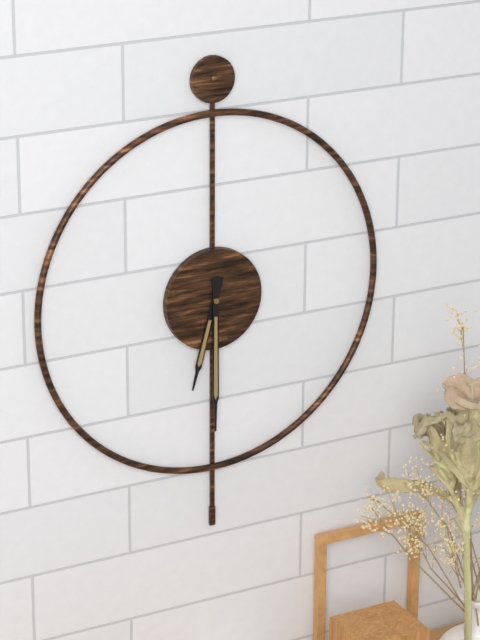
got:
6:30
